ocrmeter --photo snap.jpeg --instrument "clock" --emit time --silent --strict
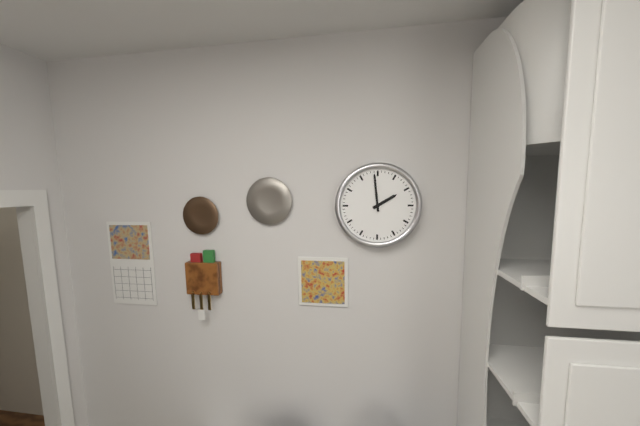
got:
1:59
